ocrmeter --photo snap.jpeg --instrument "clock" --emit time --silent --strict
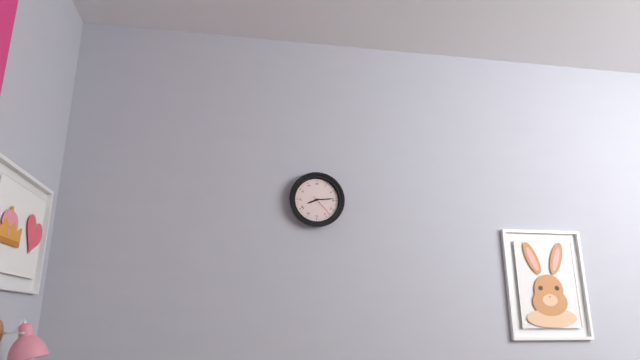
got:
8:14
